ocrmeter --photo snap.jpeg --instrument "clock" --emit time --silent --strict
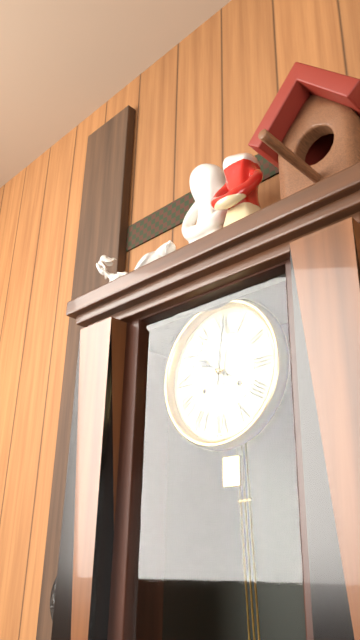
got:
10:01
